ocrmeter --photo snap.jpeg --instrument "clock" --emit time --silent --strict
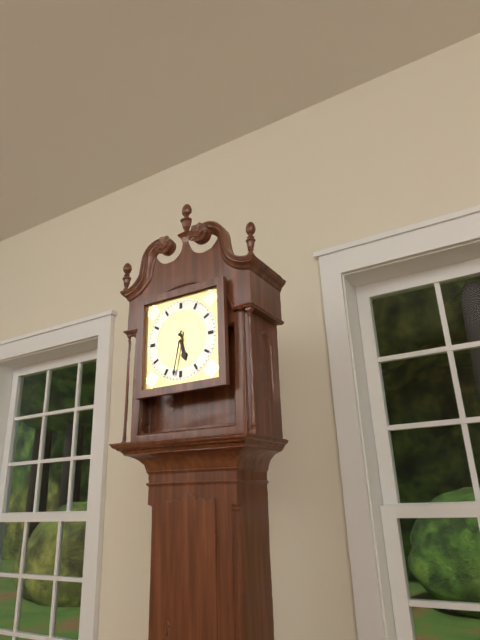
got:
5:32
